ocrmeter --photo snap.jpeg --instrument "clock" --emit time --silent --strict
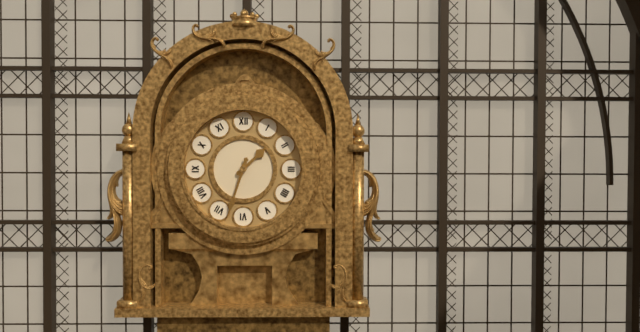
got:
1:33
